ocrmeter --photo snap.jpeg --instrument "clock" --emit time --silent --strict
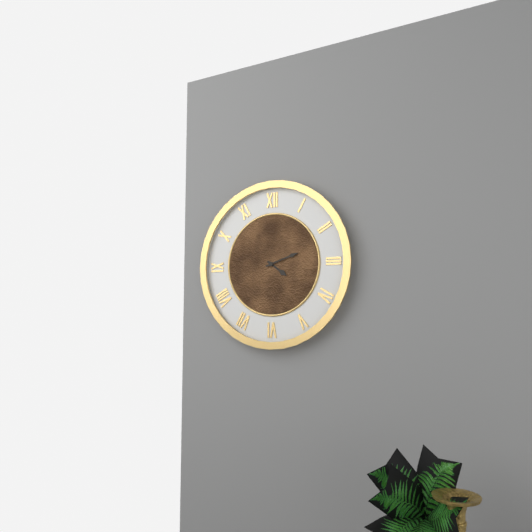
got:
4:12
